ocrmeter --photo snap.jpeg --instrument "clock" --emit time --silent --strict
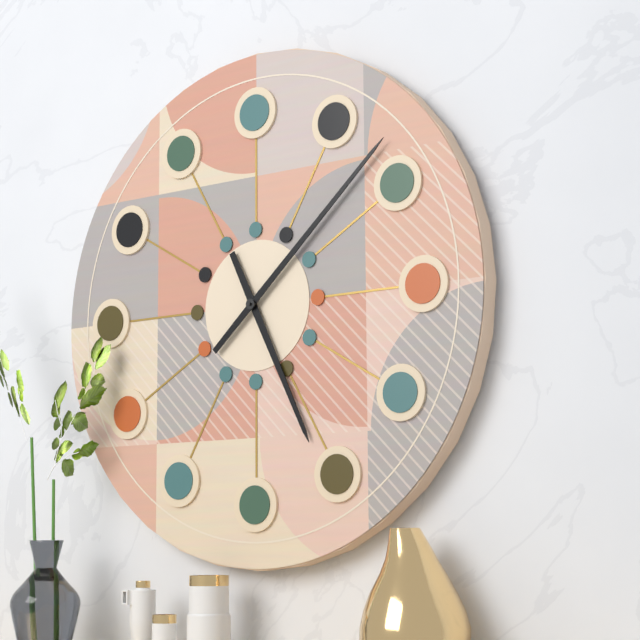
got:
5:08
